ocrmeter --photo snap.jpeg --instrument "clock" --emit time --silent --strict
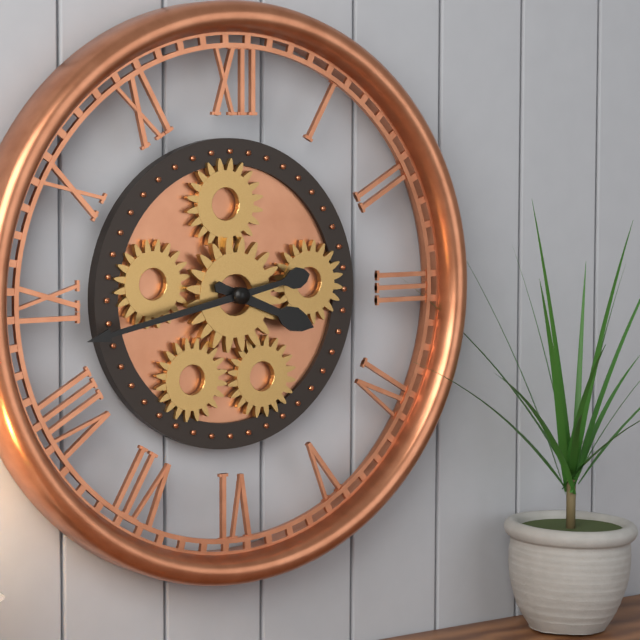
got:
3:43
